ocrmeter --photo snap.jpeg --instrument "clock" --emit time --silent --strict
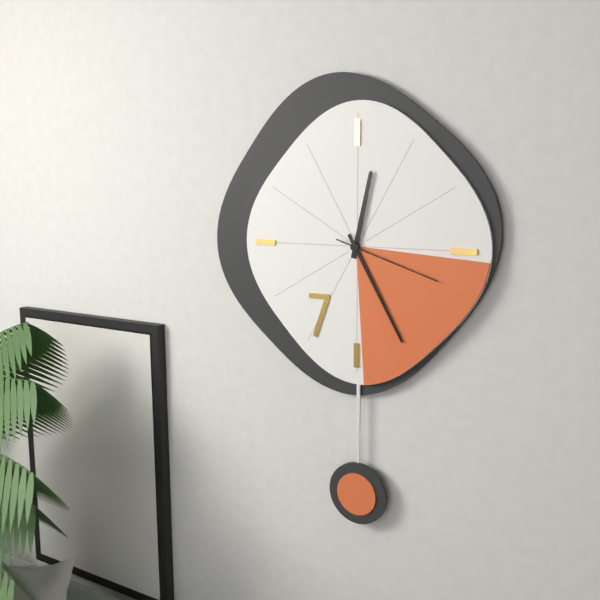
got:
12:25:18
